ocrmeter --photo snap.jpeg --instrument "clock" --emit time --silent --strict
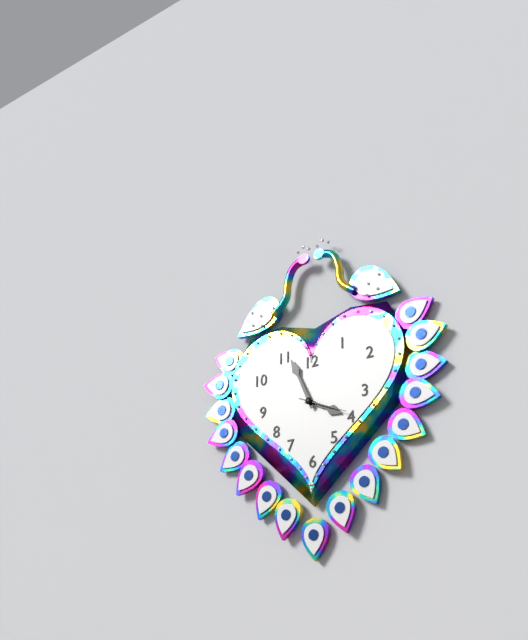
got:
3:56
